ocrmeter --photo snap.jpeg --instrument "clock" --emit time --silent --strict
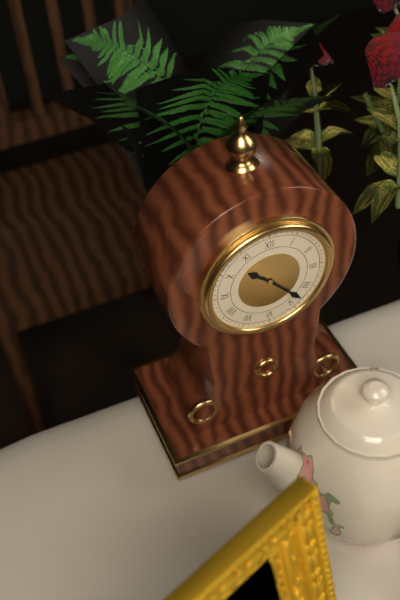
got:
10:23
